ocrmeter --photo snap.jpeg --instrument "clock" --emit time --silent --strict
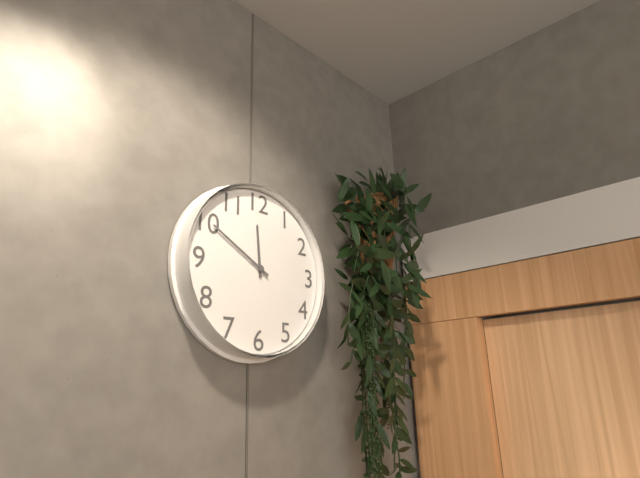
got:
11:50
